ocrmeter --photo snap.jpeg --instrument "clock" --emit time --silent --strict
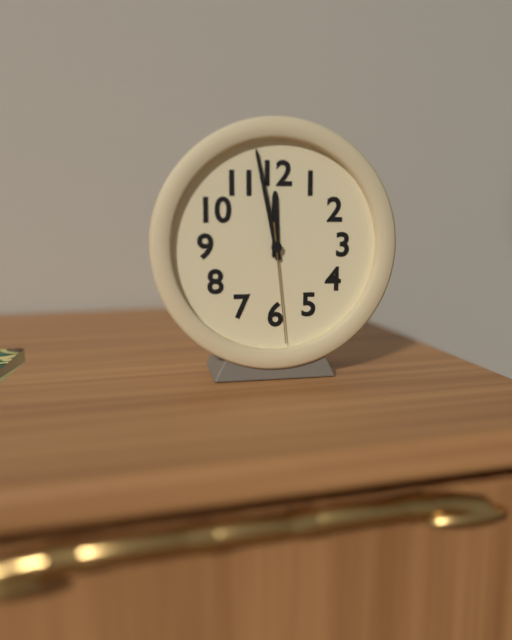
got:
11:58:29
